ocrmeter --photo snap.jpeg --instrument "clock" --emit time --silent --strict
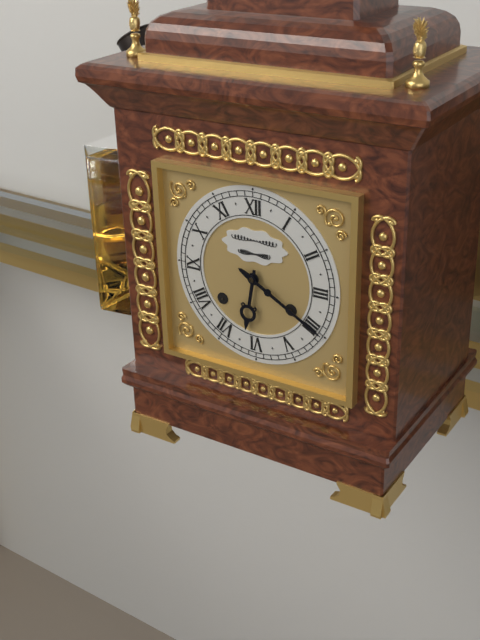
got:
6:20
